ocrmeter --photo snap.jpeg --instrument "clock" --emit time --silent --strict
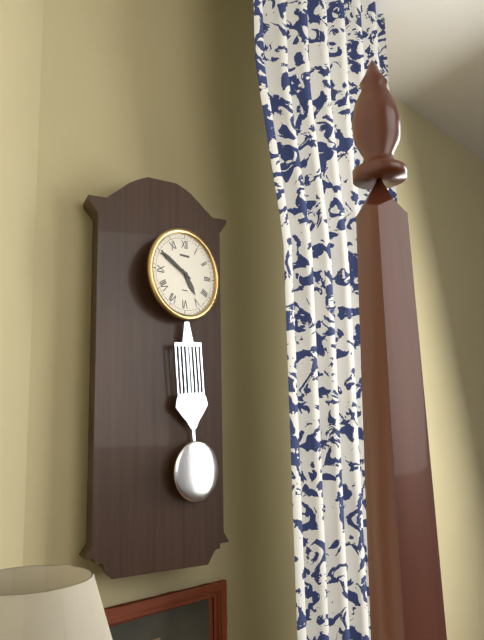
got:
4:50
